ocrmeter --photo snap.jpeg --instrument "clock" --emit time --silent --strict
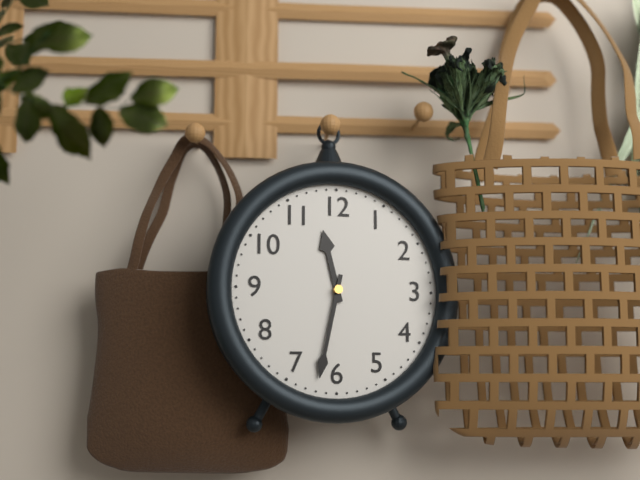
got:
11:32
